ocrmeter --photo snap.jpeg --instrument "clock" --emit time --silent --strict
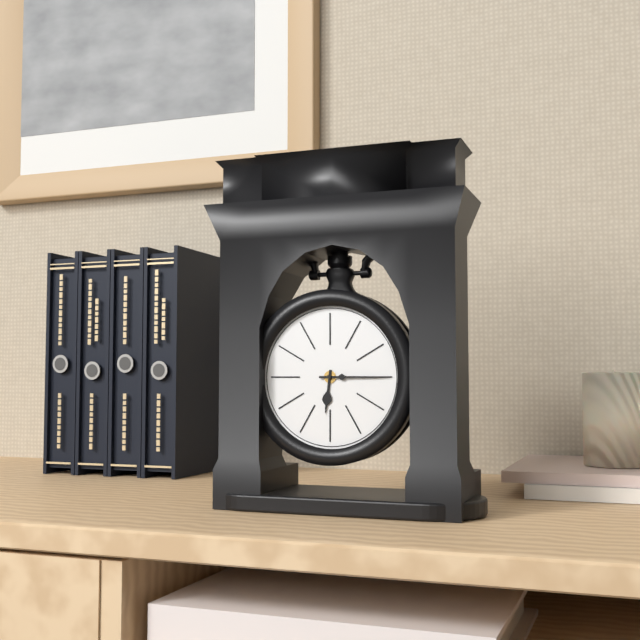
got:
6:15
